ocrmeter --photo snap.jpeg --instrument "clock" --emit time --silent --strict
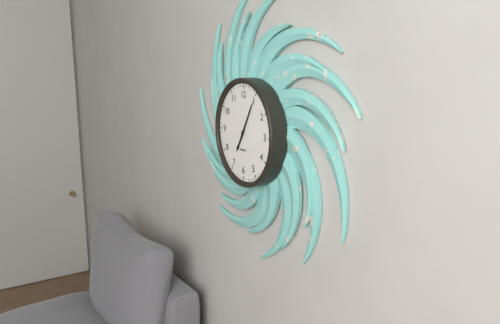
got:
7:05
